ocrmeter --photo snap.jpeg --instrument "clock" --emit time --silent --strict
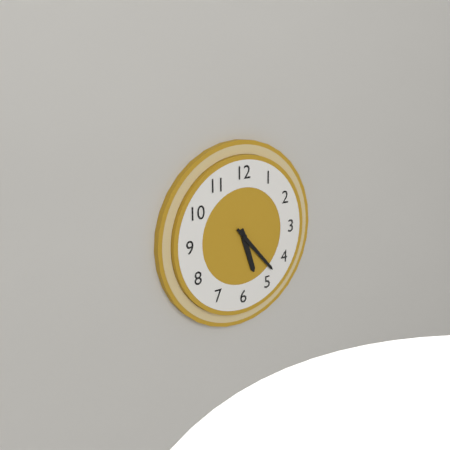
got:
5:23
